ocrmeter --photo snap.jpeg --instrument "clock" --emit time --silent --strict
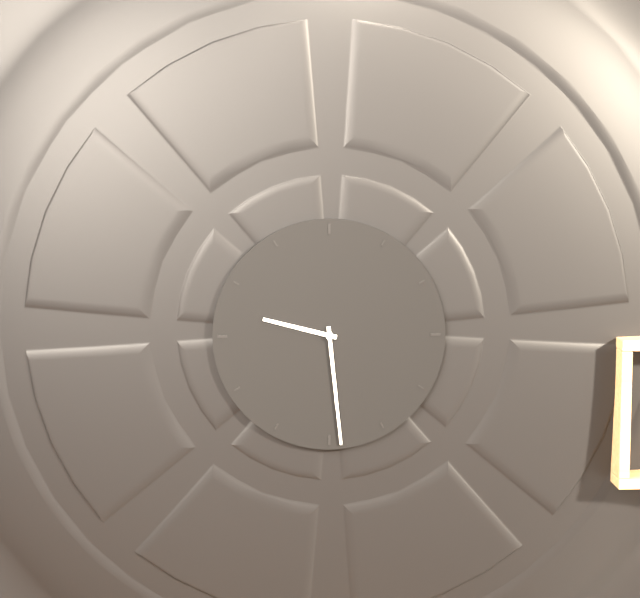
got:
9:29
